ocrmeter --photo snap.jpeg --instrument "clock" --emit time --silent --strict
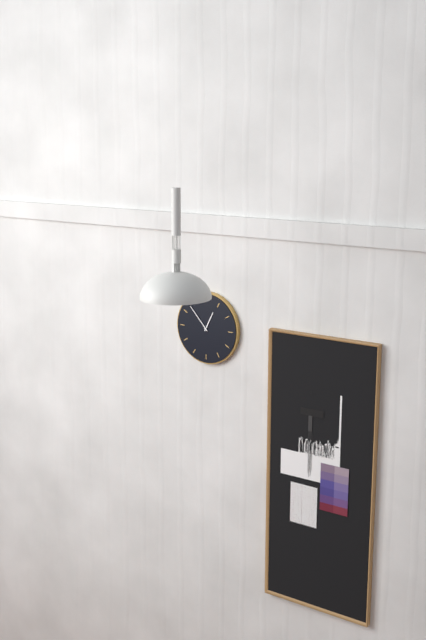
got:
12:53
